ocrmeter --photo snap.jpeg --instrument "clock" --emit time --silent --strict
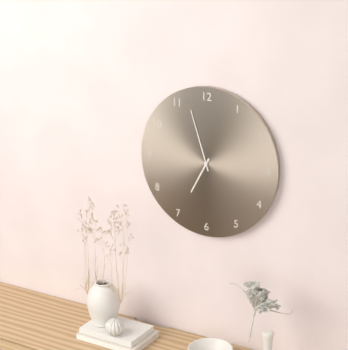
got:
6:57
